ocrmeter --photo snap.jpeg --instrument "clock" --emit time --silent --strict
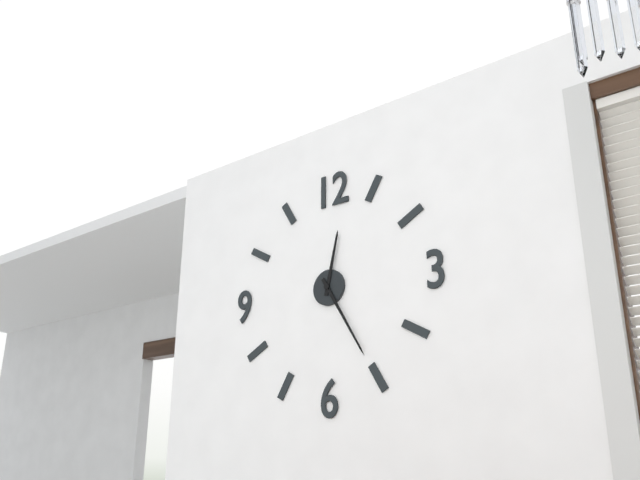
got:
12:25
